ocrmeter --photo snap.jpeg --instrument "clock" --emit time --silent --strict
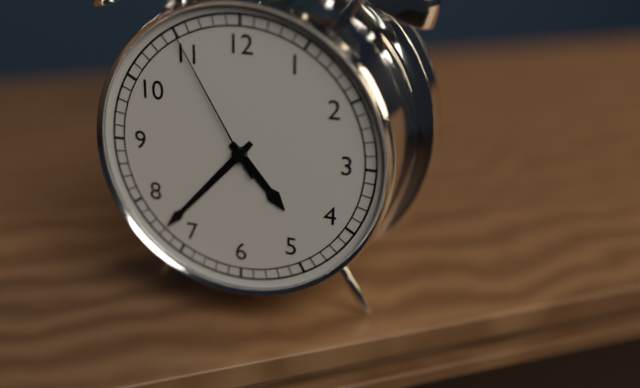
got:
4:37:55
